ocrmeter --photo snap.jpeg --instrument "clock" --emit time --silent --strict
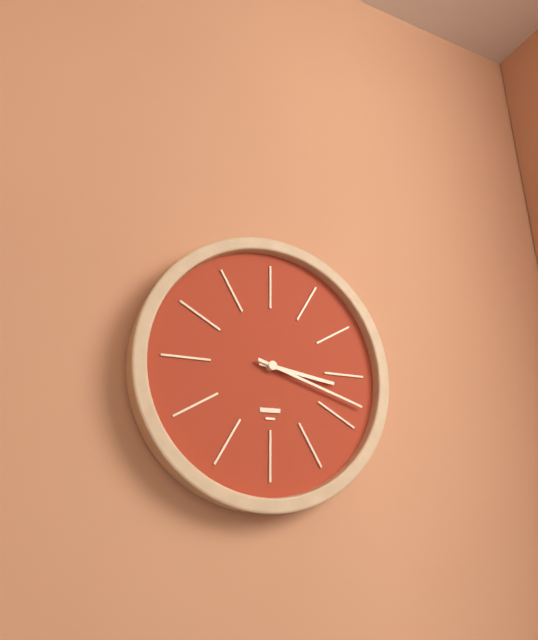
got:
3:18
